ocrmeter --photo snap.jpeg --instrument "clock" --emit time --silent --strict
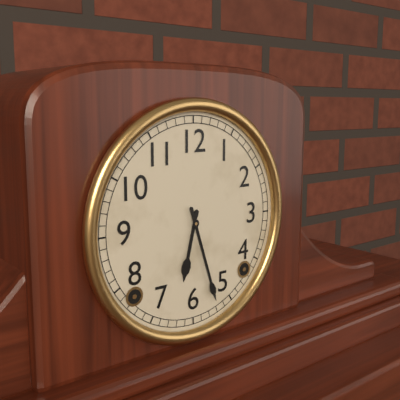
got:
6:27
